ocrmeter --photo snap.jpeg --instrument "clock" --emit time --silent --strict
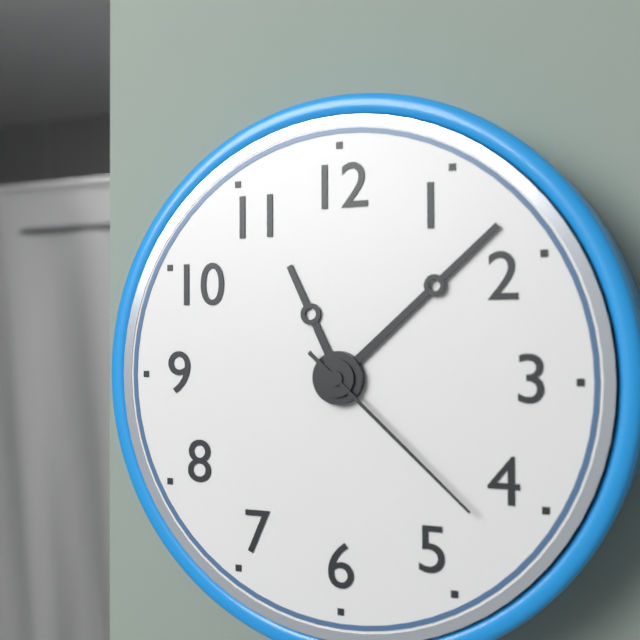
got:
11:08:22
